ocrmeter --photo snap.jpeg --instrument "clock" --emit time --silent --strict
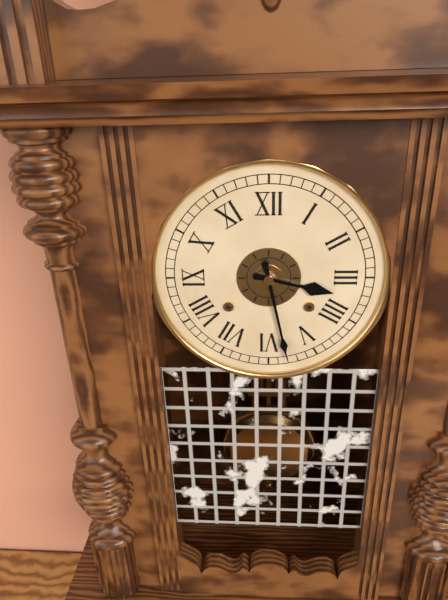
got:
3:28
